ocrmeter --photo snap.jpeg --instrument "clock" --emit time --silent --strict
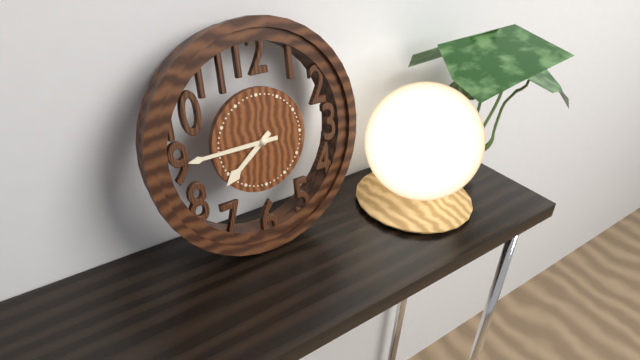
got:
7:45
